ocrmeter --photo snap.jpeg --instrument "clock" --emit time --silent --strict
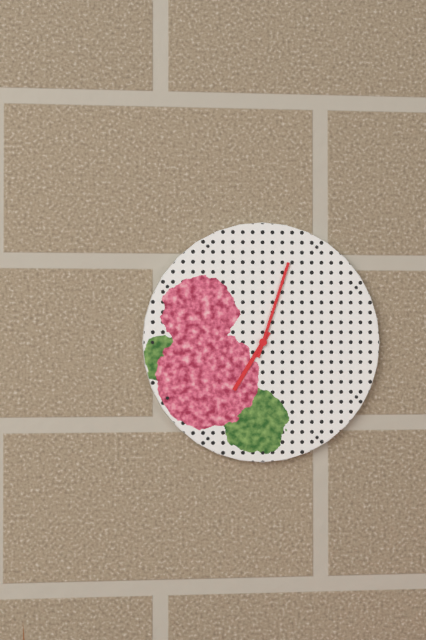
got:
7:03
